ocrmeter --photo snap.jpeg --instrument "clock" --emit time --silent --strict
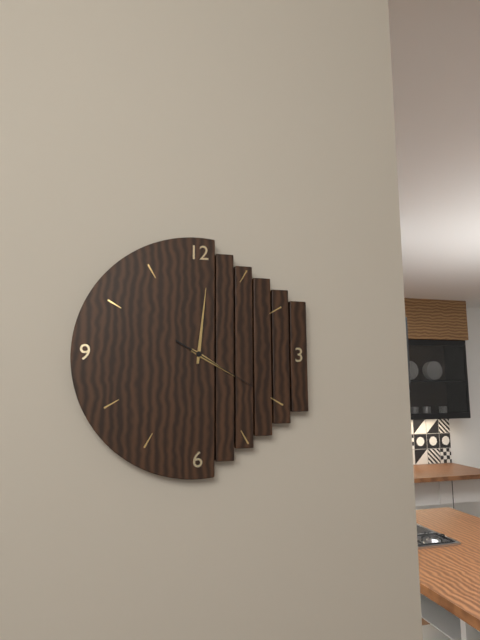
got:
4:01:20
